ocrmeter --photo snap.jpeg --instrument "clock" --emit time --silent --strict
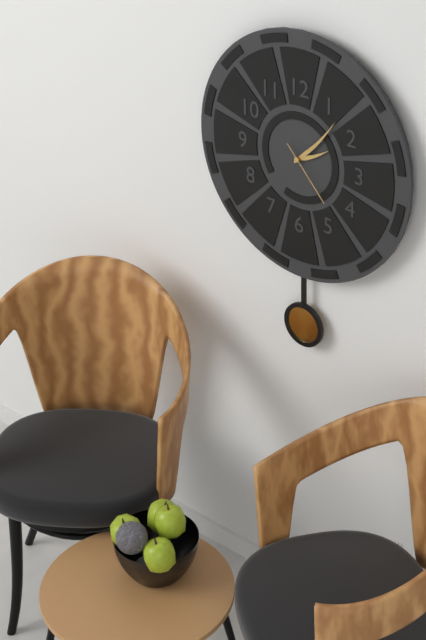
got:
2:07:23
